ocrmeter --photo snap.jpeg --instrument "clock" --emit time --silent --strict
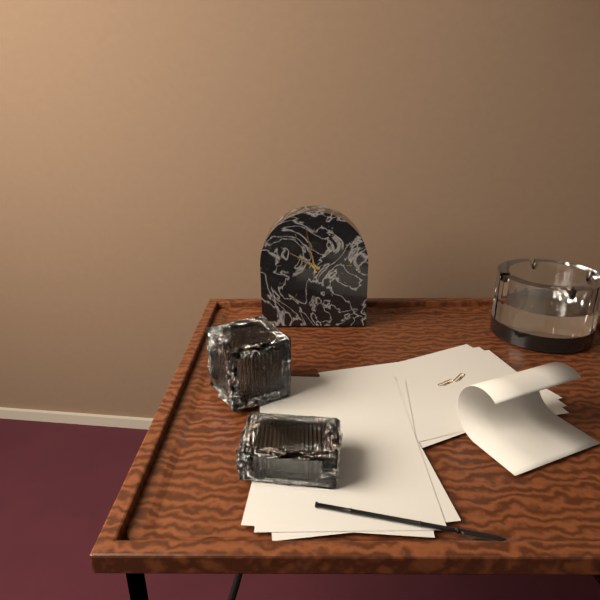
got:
9:58
